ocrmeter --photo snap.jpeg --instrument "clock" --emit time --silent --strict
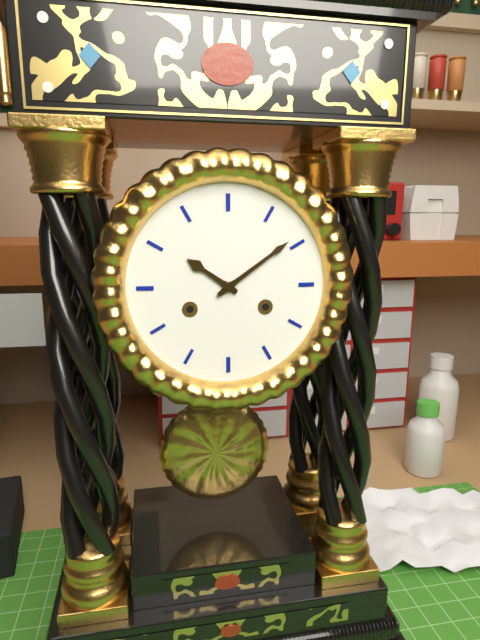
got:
10:09
